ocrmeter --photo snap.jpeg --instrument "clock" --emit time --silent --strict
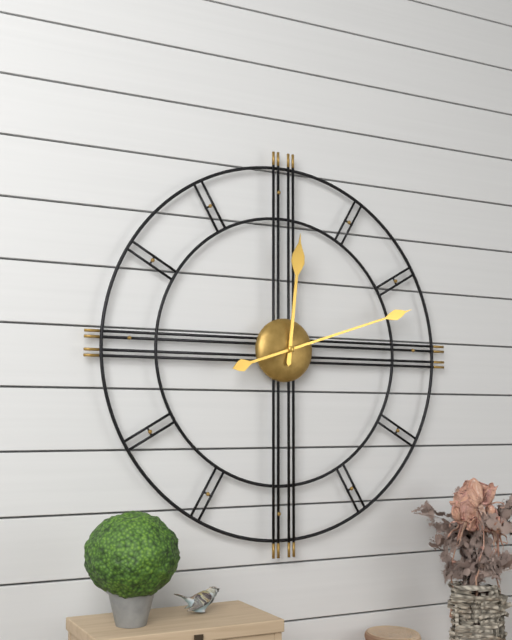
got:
12:12
